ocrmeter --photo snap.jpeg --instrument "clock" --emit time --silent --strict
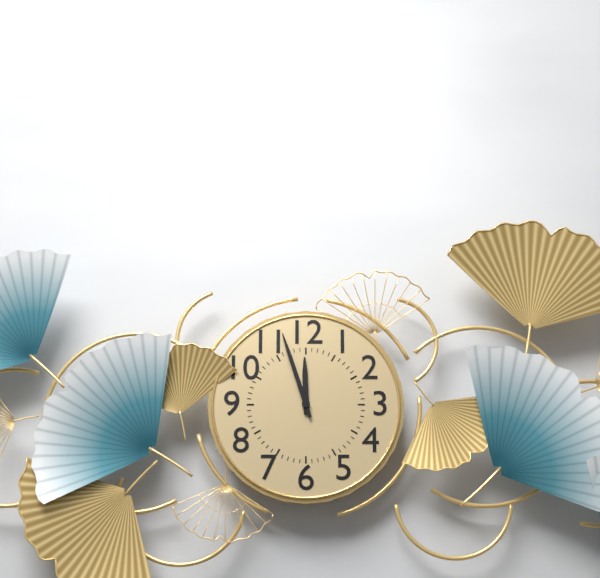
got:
11:57
